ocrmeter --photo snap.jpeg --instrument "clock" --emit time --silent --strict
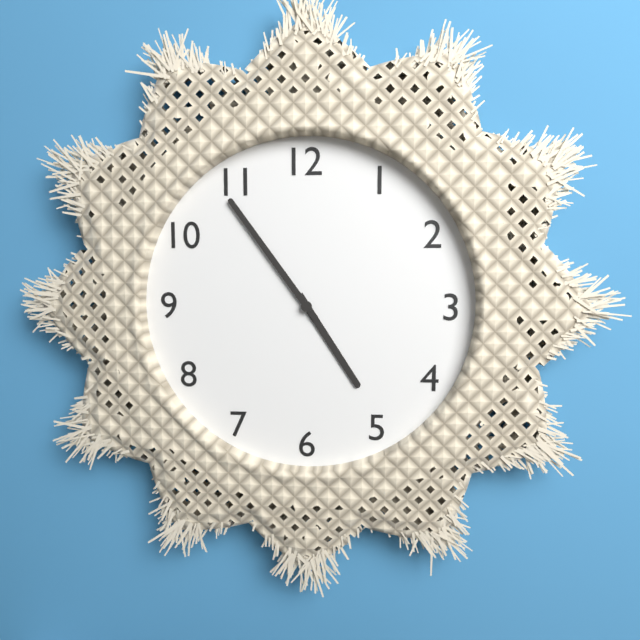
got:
4:54
